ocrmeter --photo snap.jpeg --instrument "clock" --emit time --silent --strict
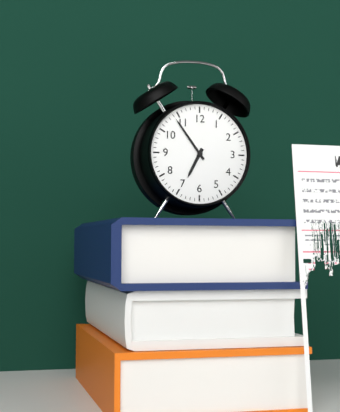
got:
6:54
